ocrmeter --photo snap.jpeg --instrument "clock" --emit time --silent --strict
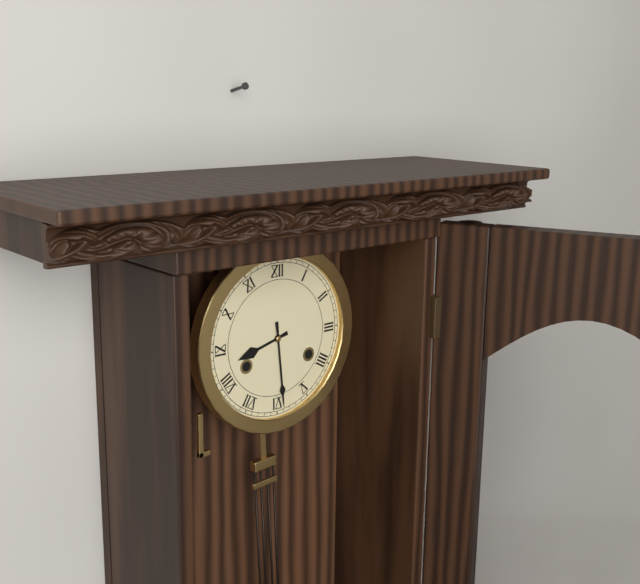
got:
8:29
